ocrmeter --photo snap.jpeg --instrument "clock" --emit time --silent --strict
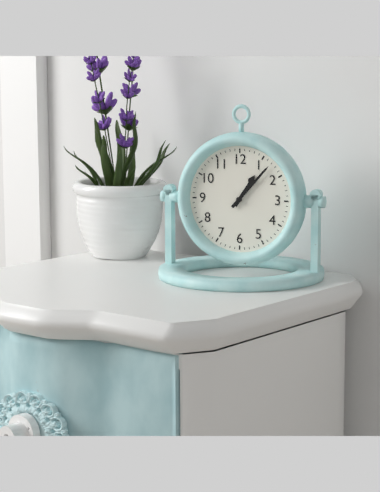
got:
1:07
